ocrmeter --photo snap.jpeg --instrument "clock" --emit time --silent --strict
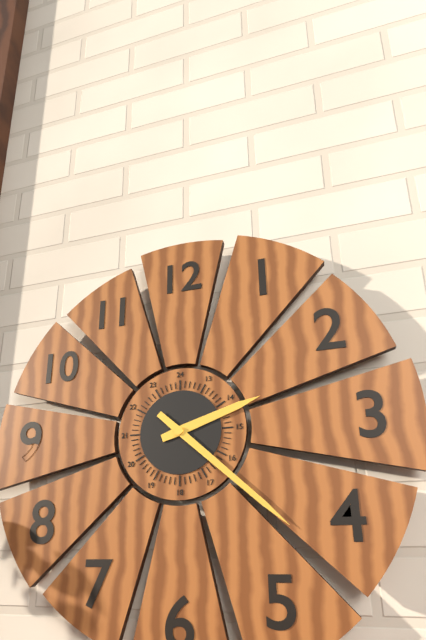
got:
2:22
